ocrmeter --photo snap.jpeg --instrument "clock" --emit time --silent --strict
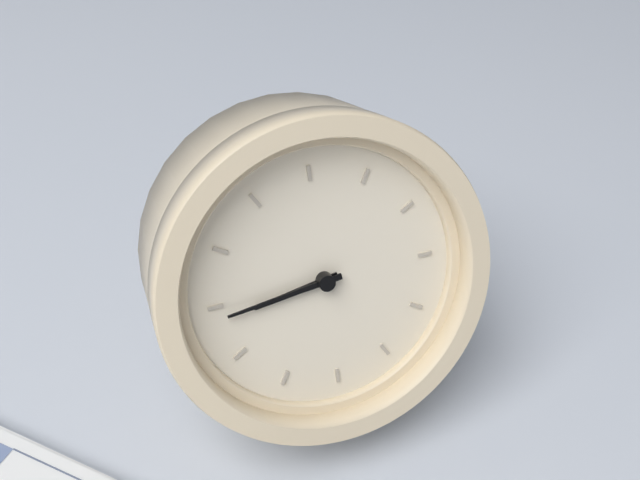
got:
8:44
